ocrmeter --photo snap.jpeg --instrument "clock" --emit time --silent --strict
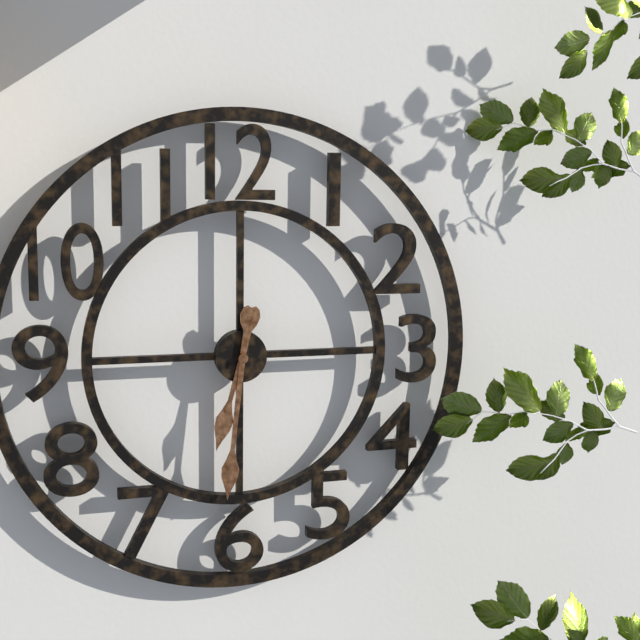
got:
6:31
